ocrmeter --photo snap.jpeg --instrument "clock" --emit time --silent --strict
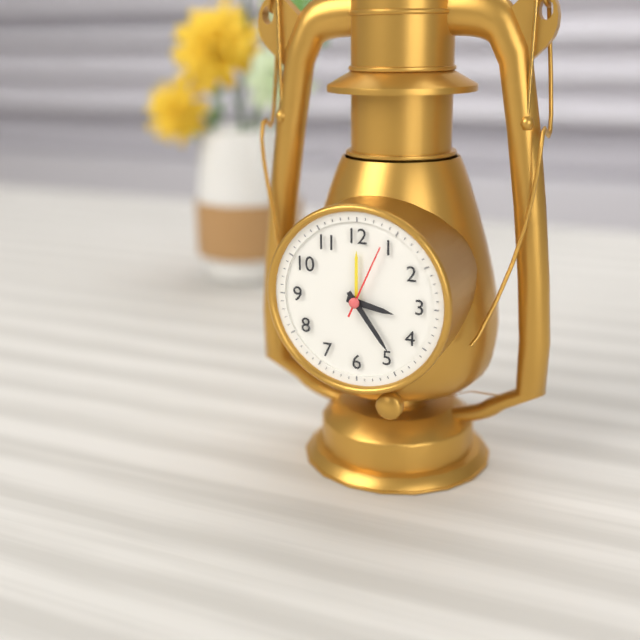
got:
3:24:04
